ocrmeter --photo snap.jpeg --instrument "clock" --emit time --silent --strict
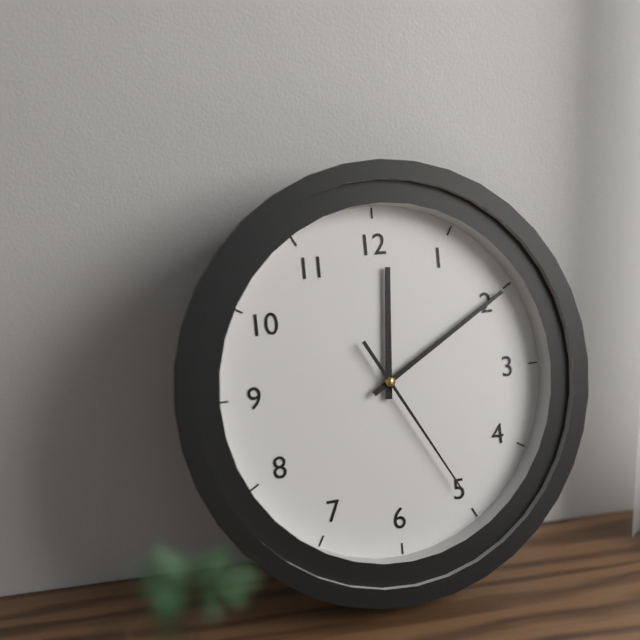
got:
12:10:25
